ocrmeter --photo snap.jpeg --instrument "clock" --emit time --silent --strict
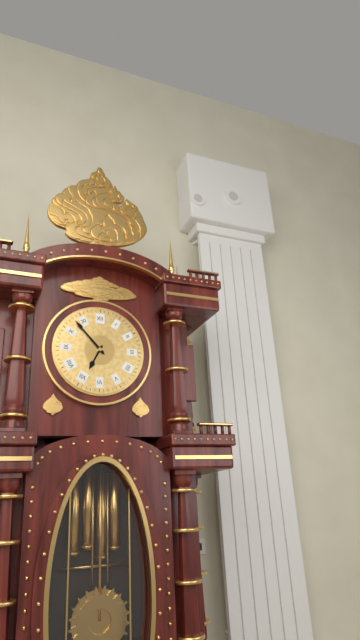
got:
6:53
